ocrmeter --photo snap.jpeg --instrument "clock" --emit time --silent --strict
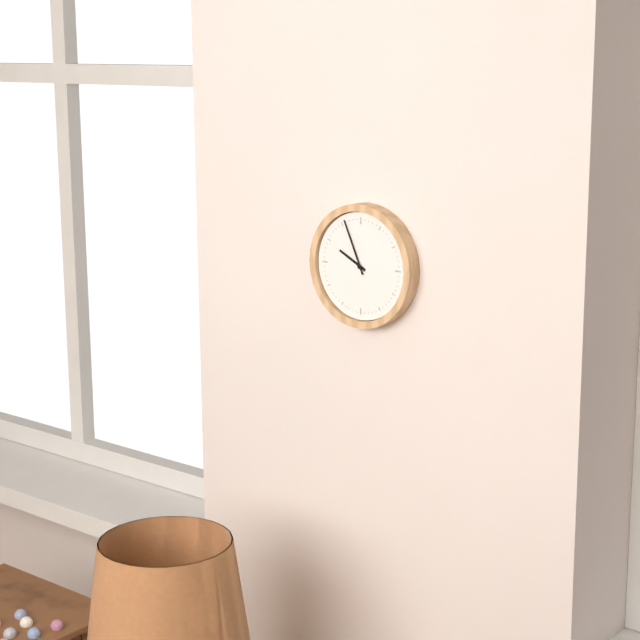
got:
9:56
